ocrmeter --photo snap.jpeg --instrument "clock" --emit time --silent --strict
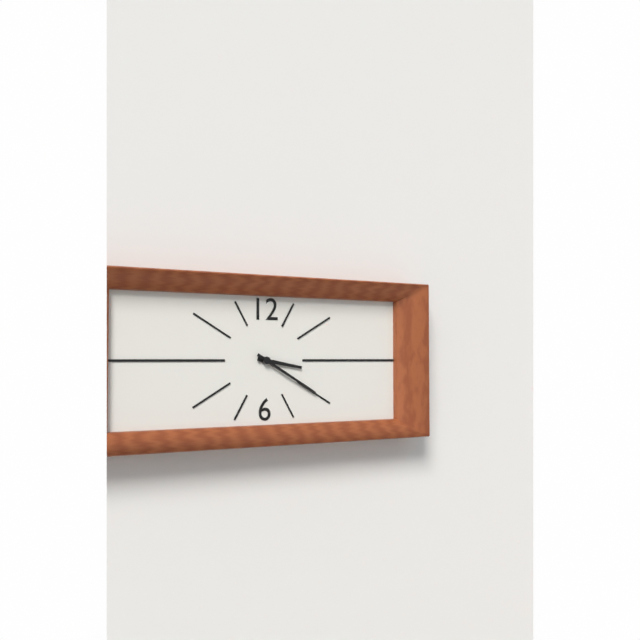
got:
3:20
